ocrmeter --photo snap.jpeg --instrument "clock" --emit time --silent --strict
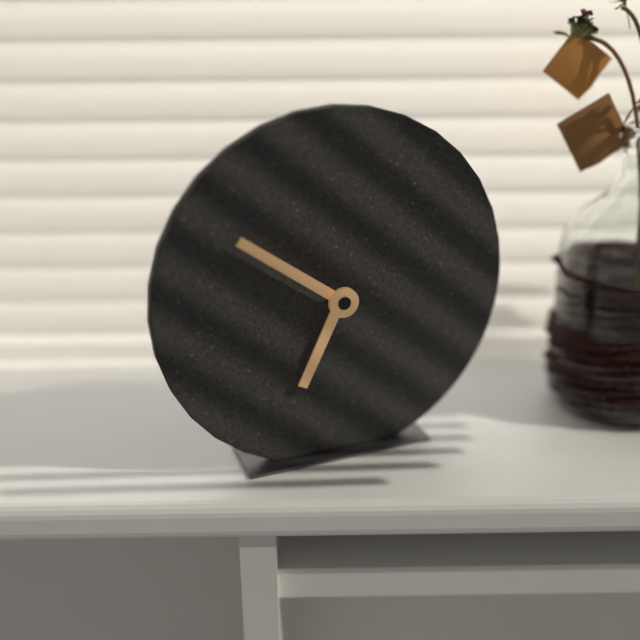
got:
6:51
